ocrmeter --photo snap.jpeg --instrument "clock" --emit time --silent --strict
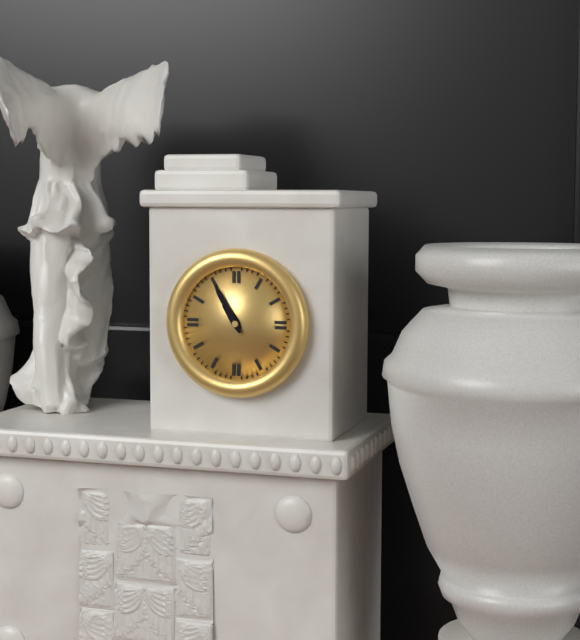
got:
10:55
